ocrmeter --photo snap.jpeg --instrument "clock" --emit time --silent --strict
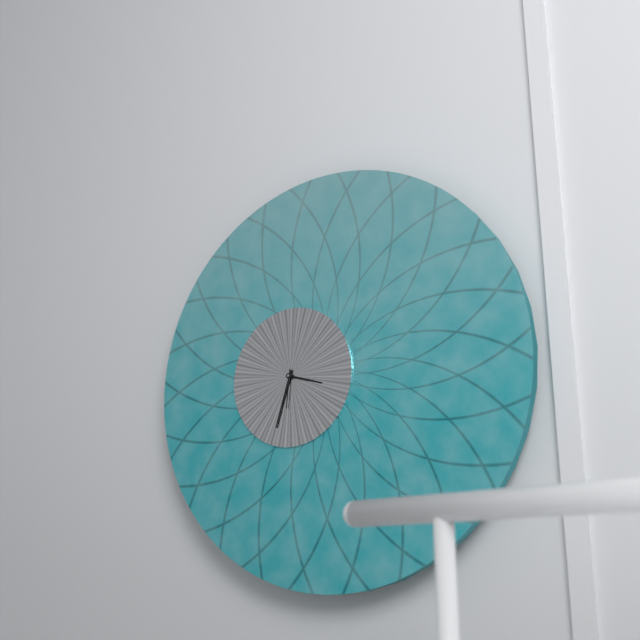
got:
3:33
